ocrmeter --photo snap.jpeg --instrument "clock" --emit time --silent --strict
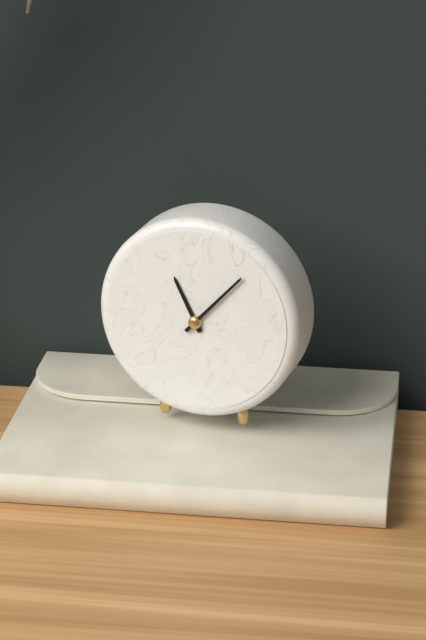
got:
11:07
